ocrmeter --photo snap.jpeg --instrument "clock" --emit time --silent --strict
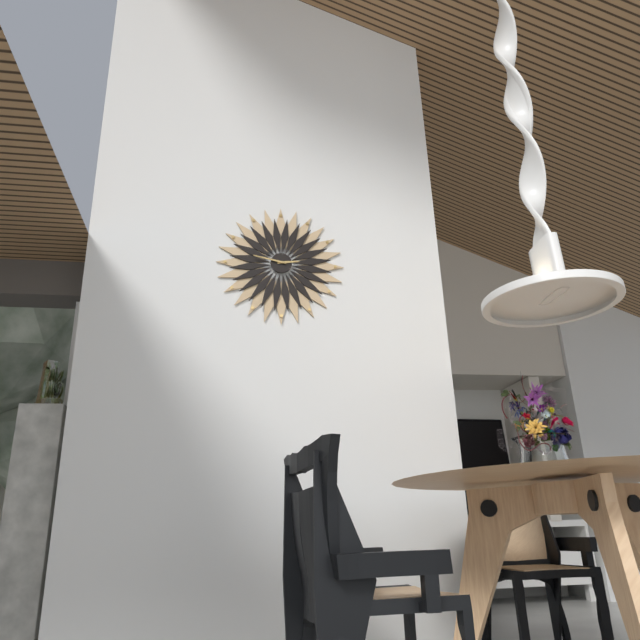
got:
2:47
